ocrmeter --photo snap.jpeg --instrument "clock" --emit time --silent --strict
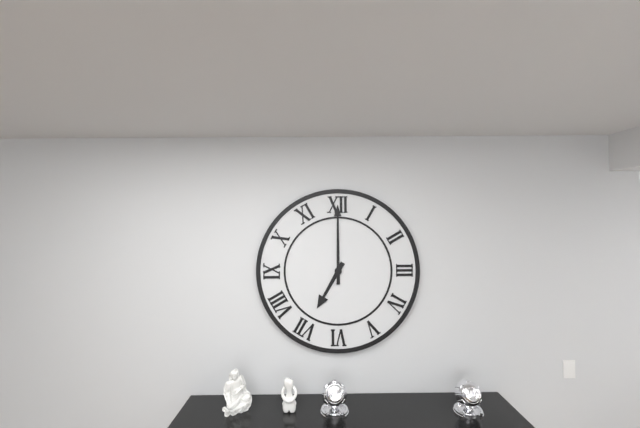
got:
7:00
